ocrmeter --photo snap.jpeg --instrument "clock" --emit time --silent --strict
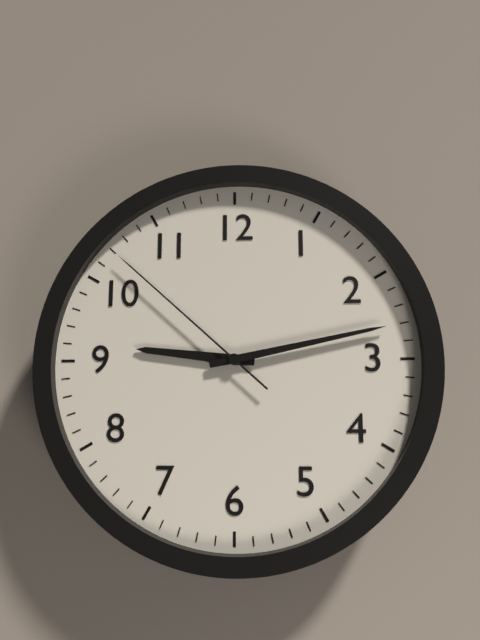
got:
9:13:52
